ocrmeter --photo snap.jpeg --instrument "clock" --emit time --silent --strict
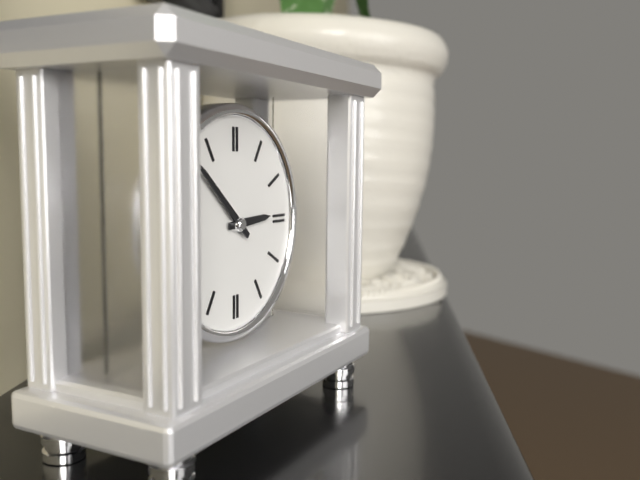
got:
2:52
